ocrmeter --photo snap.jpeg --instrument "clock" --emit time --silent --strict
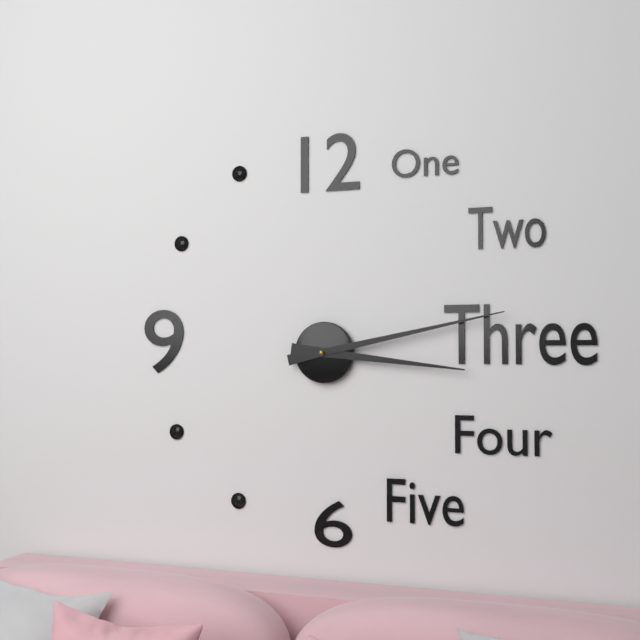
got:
3:13
